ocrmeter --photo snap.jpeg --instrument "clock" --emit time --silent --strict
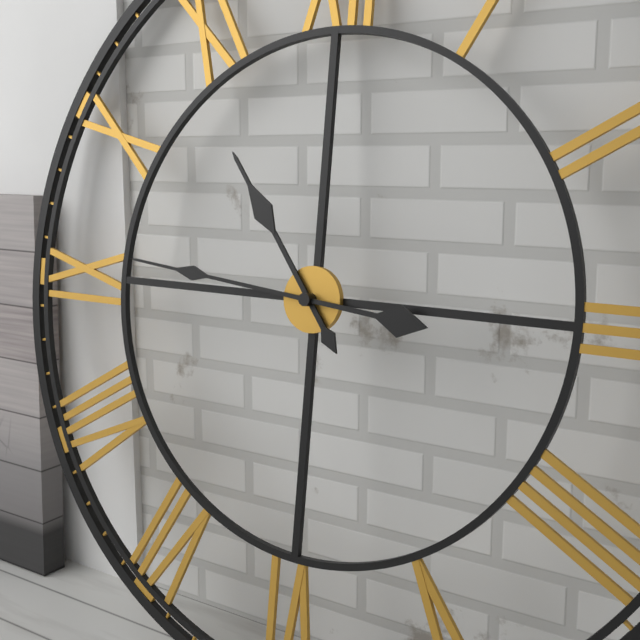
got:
10:46
